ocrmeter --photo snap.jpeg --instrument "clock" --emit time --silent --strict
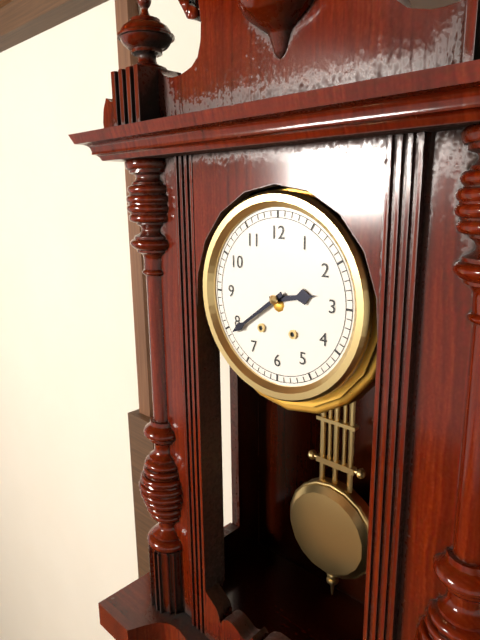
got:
2:39
